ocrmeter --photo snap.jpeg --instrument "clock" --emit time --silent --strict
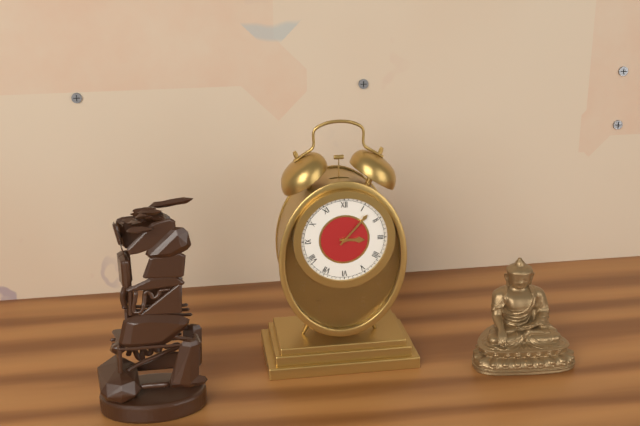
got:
3:07
